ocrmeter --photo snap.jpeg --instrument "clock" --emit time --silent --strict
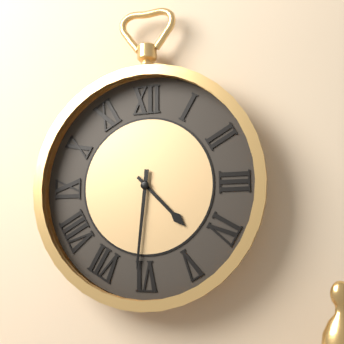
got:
4:31
